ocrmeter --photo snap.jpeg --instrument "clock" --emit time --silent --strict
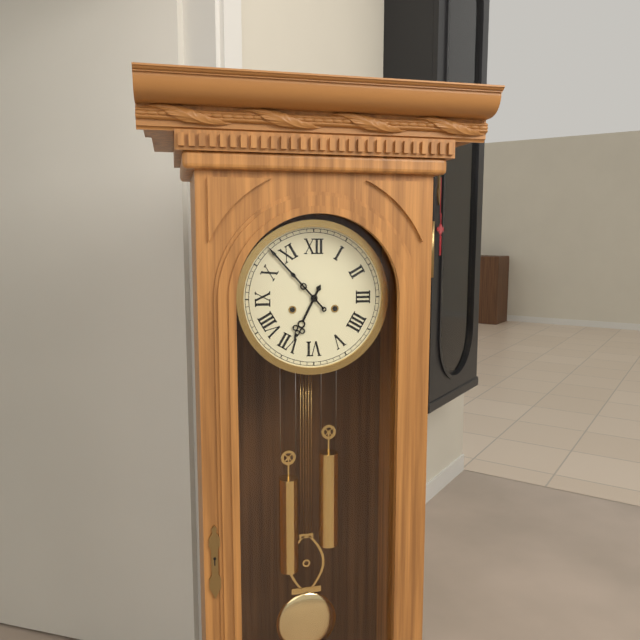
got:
6:53
